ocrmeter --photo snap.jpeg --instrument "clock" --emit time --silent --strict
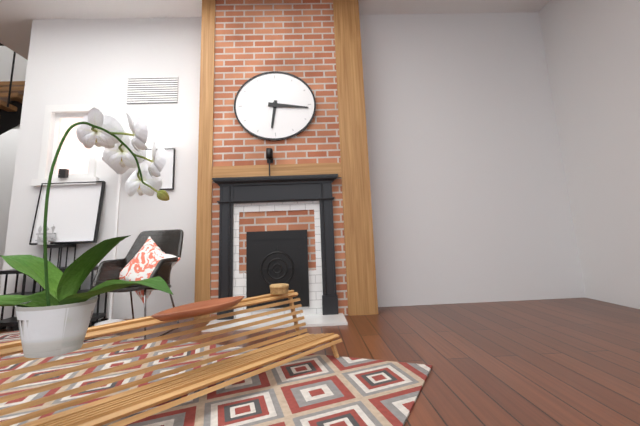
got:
6:16
